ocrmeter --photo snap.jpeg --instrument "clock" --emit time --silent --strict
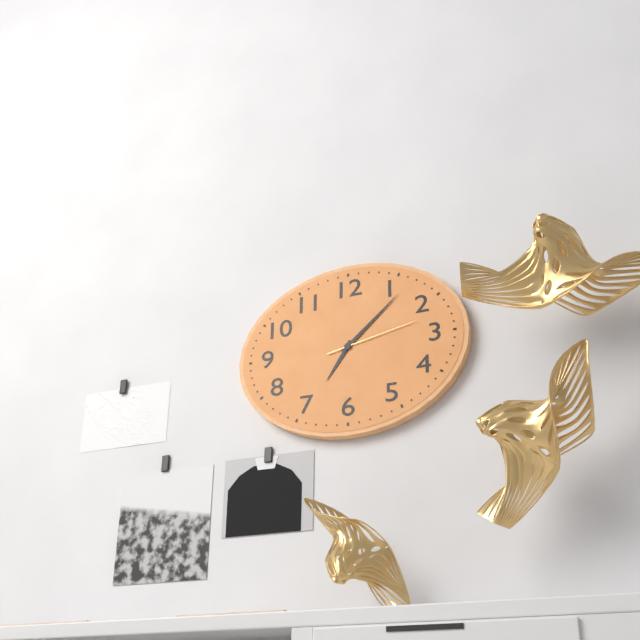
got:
7:08:13
